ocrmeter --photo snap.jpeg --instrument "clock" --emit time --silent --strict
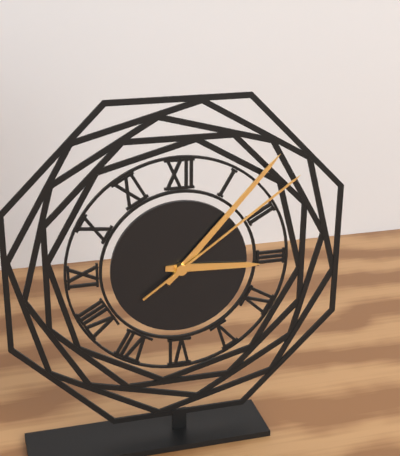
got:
3:07:09
